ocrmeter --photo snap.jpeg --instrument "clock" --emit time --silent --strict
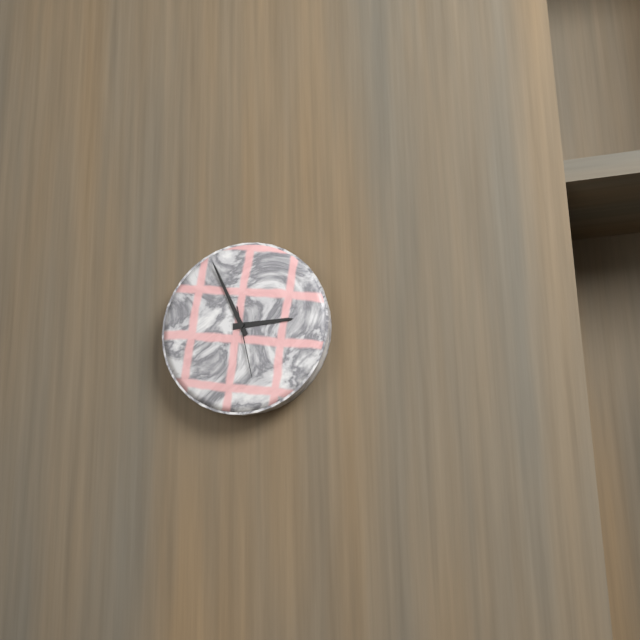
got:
2:56:28
